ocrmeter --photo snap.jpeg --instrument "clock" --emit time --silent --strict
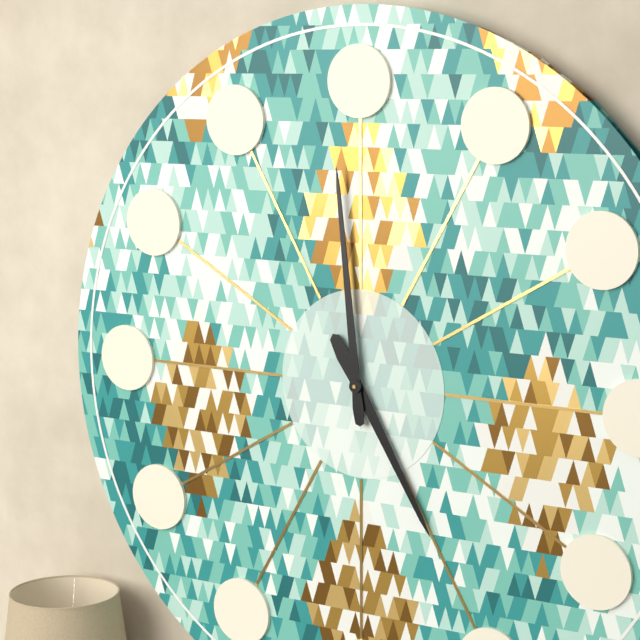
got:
4:59
